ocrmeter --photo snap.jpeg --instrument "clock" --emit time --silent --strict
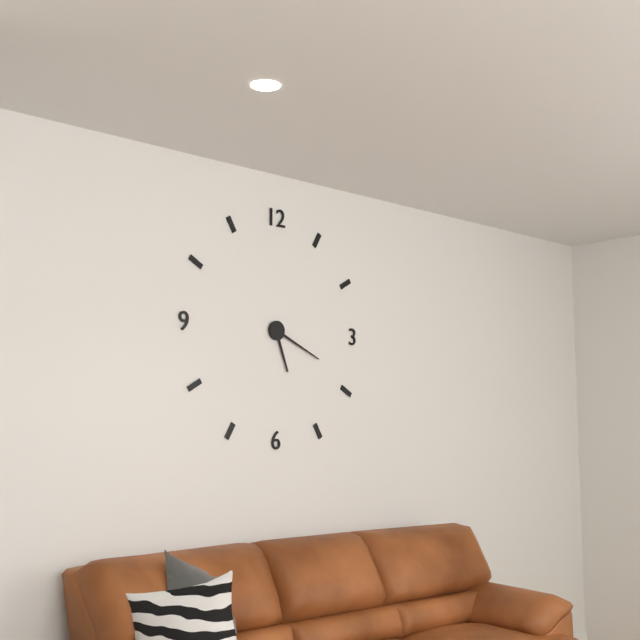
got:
5:19
